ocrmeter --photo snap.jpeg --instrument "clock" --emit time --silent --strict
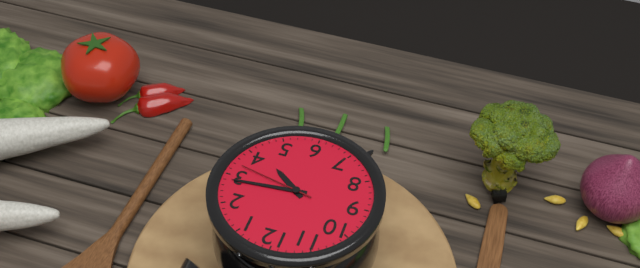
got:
4:14:17
